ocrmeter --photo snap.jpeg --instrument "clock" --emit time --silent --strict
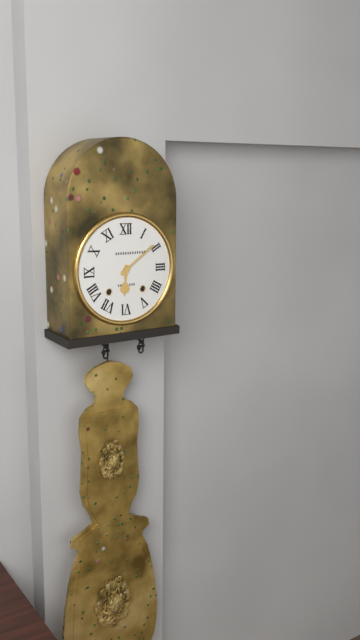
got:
6:09
